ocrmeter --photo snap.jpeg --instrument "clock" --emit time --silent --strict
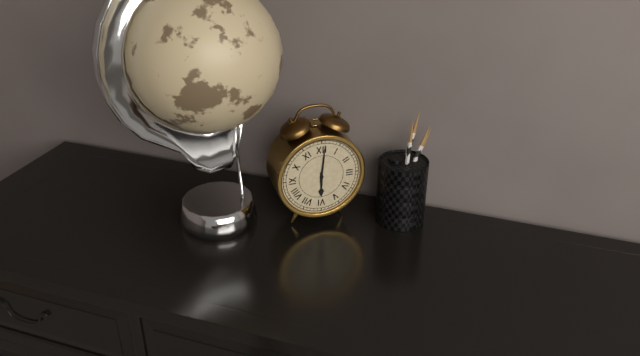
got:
6:01
